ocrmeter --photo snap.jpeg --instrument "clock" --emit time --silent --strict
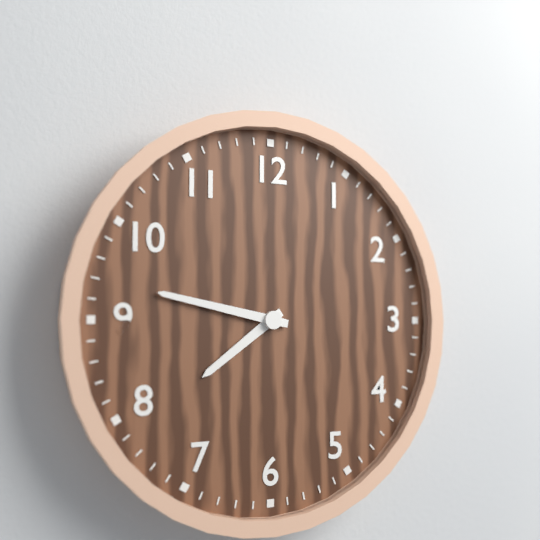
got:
7:47
